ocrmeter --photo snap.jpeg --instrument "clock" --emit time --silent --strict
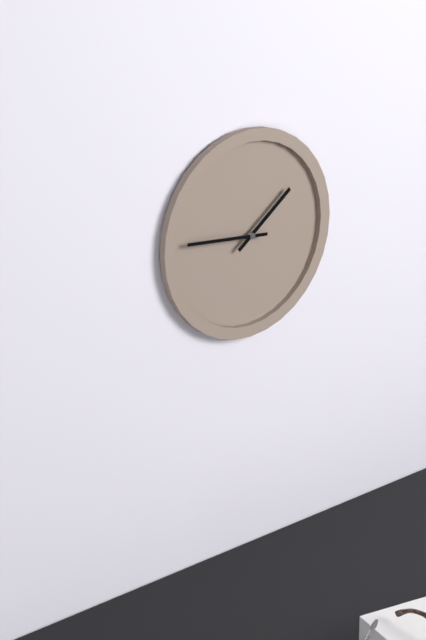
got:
1:46
